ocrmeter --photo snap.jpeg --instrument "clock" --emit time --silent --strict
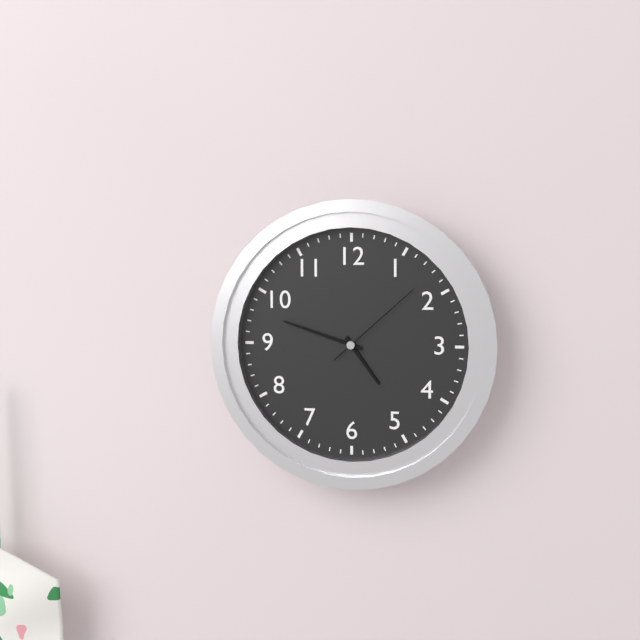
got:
4:48:08
